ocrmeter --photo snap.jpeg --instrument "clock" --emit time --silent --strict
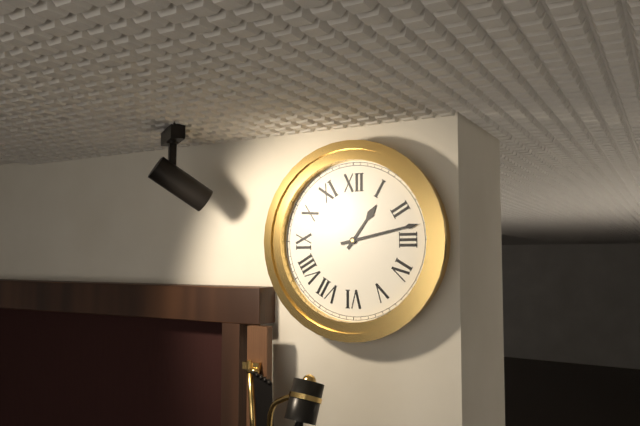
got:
1:13
